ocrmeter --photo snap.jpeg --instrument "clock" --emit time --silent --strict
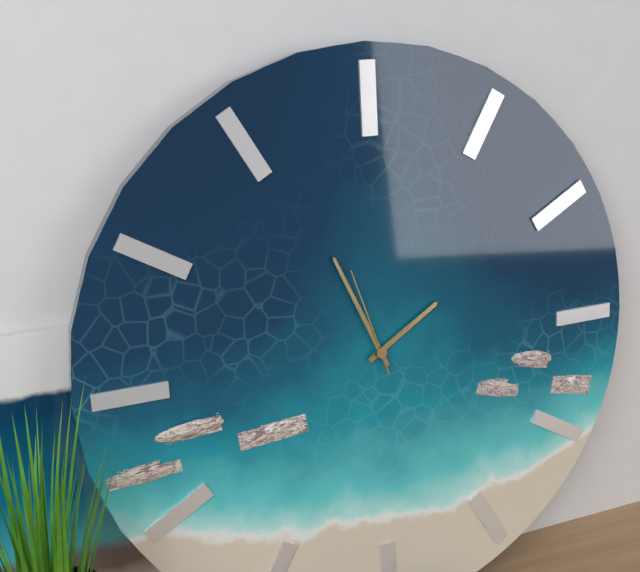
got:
1:56:57
